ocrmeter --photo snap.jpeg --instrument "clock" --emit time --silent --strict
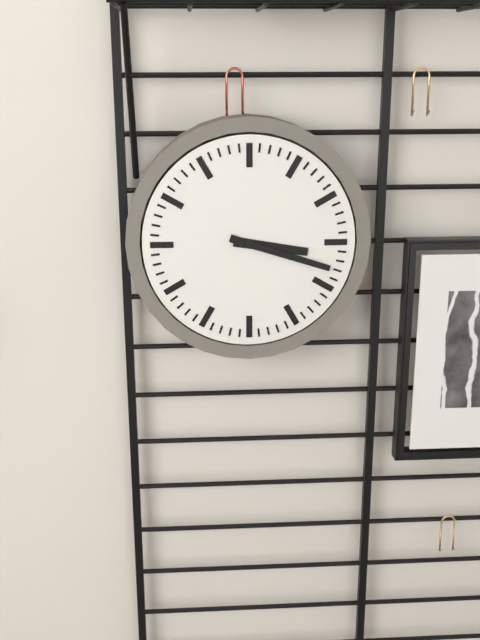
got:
3:18
